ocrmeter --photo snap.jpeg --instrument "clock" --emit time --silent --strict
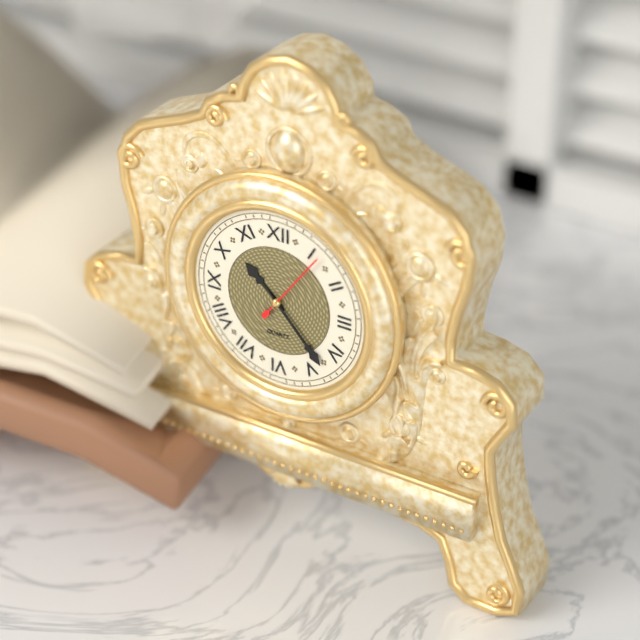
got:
10:23:06
